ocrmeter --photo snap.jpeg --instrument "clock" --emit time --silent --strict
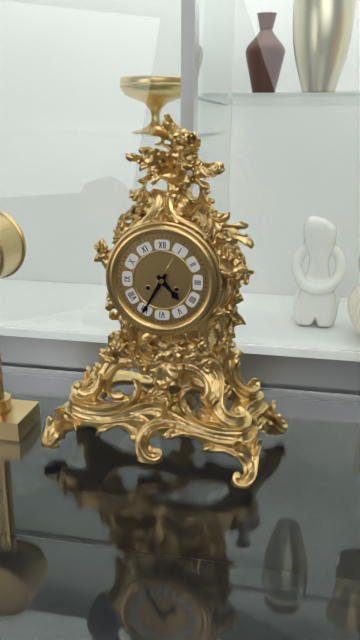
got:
4:35
